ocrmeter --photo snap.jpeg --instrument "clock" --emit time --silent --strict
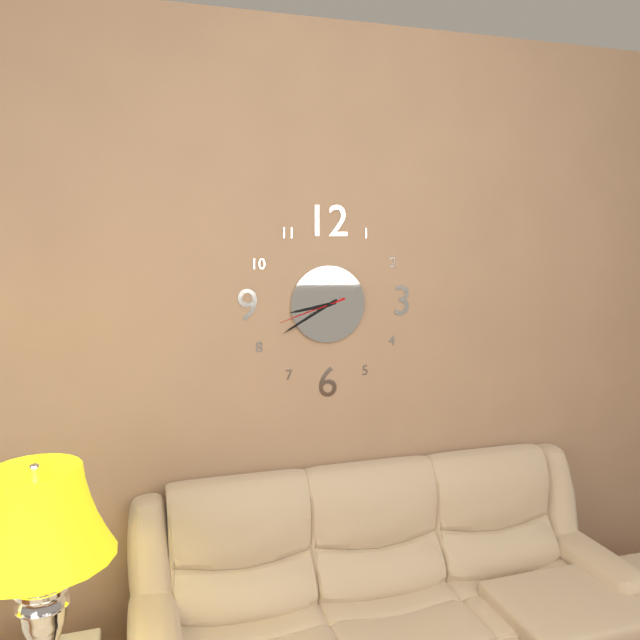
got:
8:40:42
